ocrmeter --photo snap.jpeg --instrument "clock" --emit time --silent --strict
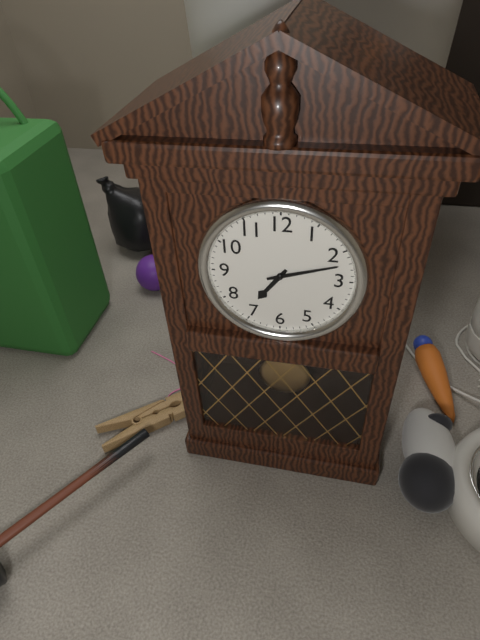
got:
7:12
